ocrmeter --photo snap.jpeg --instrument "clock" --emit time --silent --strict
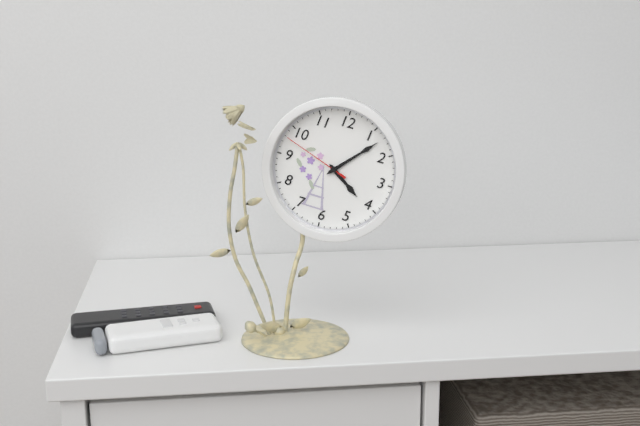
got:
4:07:48
